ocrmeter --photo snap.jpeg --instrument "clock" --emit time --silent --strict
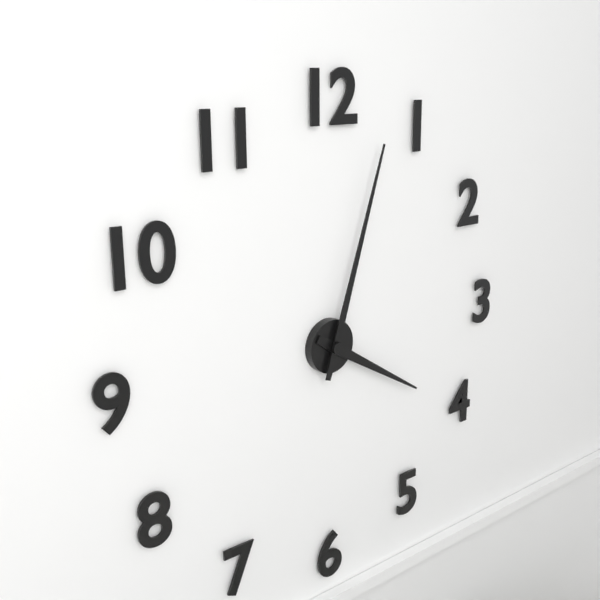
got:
4:03
